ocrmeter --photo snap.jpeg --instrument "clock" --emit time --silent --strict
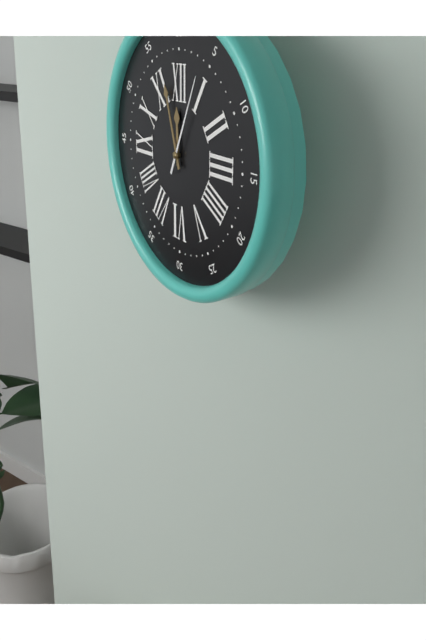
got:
11:57:04
